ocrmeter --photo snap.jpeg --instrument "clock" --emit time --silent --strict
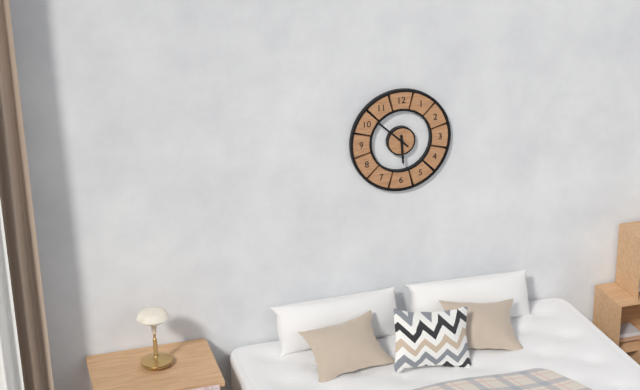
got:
5:52
